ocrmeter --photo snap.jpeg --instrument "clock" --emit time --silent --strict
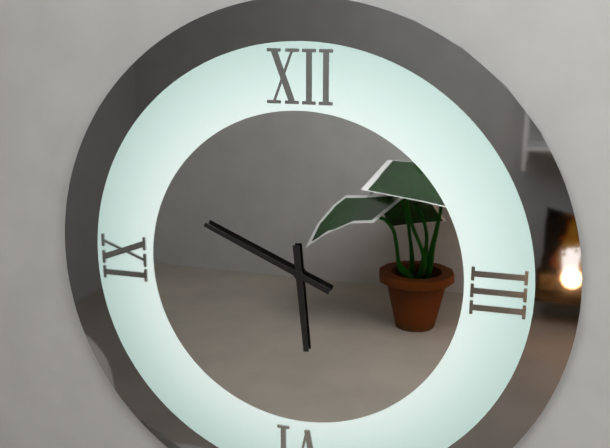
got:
5:49
